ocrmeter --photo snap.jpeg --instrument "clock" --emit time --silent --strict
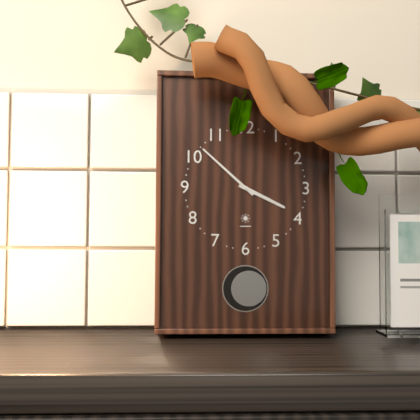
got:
3:52
